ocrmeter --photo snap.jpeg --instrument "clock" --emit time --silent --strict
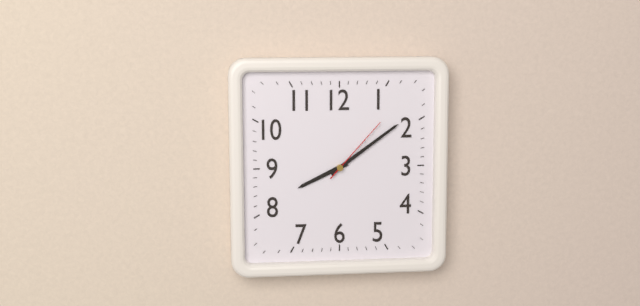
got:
8:09:07
